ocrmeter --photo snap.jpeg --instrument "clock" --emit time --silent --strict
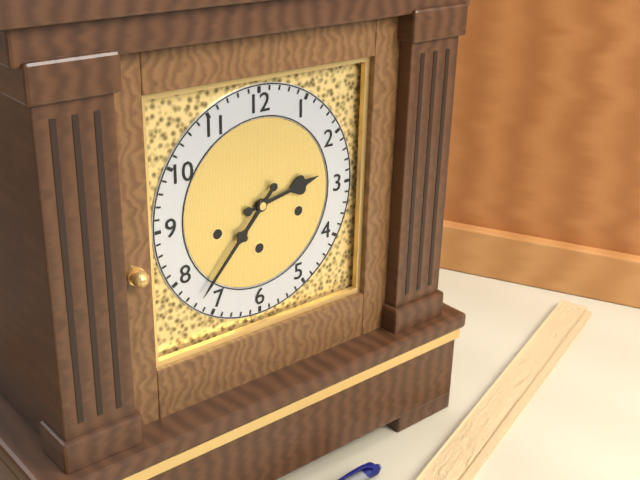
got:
2:37
